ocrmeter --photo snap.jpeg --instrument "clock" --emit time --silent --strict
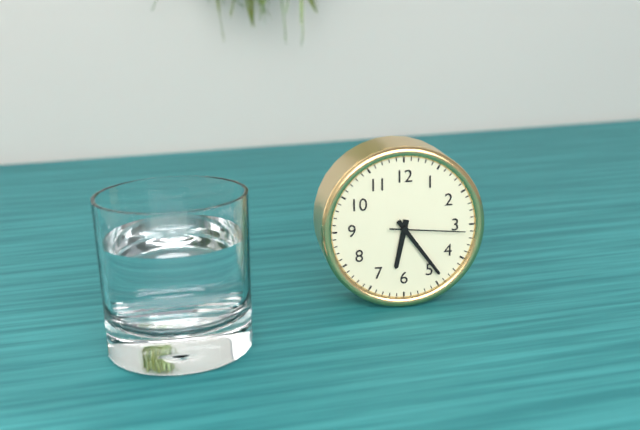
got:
6:24:16
